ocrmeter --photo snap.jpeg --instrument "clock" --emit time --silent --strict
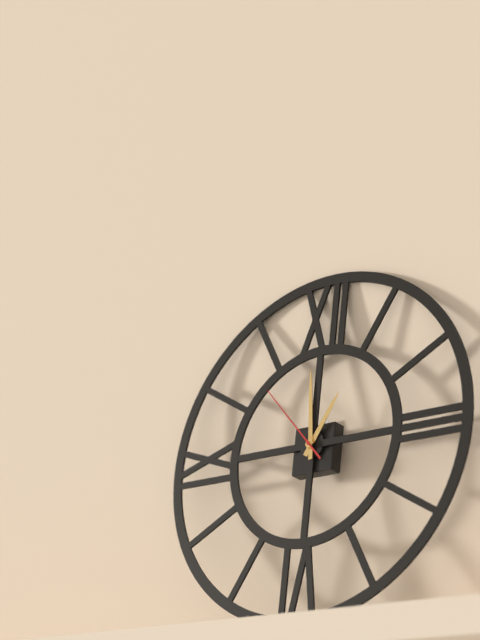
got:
12:59:53
